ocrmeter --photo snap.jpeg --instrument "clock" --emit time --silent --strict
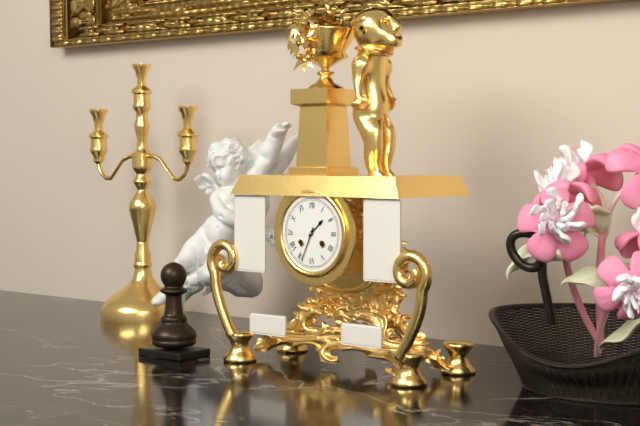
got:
1:34
